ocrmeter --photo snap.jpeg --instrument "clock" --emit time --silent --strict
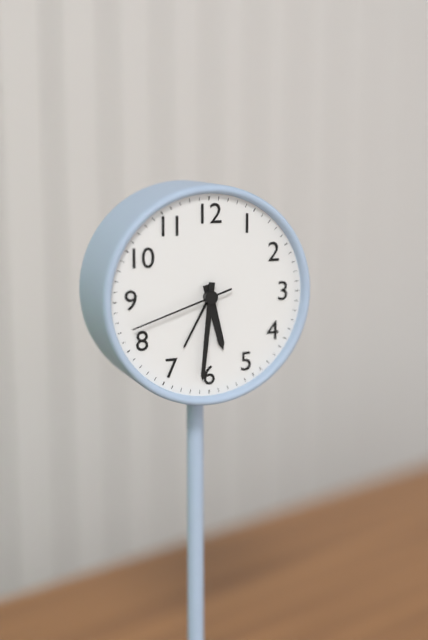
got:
5:31:42
